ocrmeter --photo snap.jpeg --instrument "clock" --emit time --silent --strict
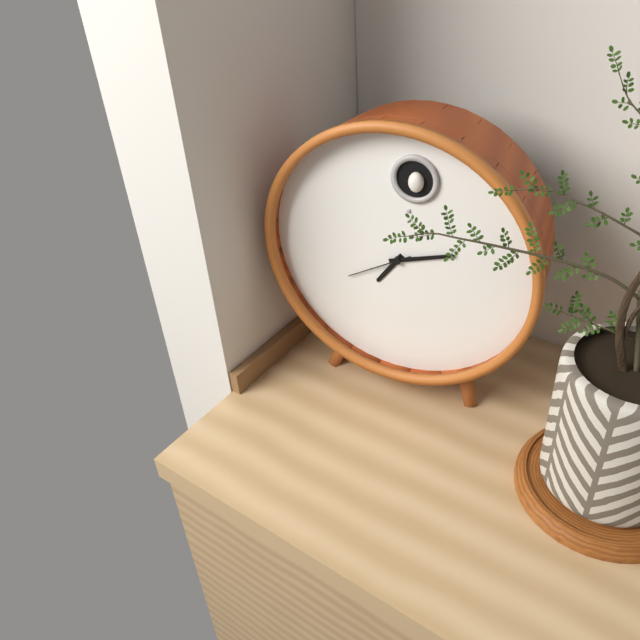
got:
7:12:40
